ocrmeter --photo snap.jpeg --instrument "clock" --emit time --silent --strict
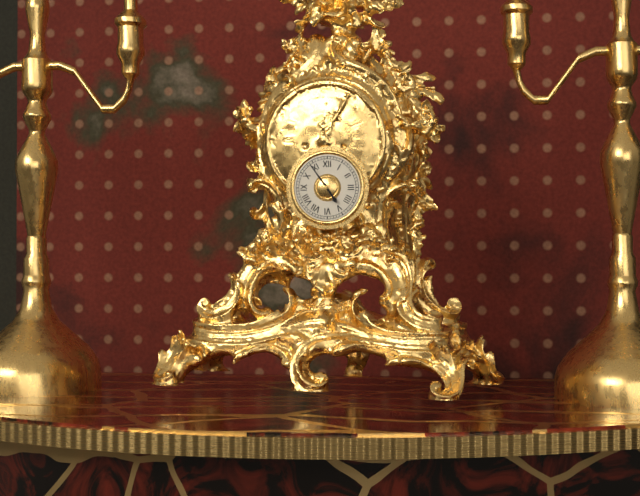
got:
4:54
